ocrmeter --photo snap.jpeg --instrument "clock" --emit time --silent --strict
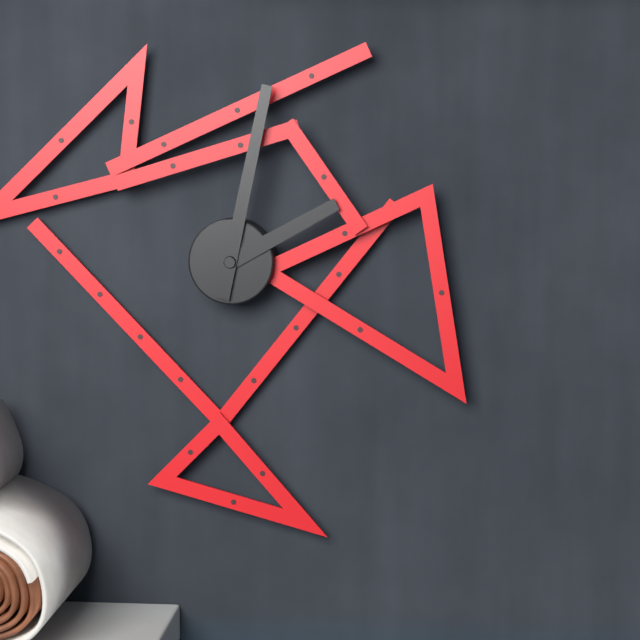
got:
2:02
